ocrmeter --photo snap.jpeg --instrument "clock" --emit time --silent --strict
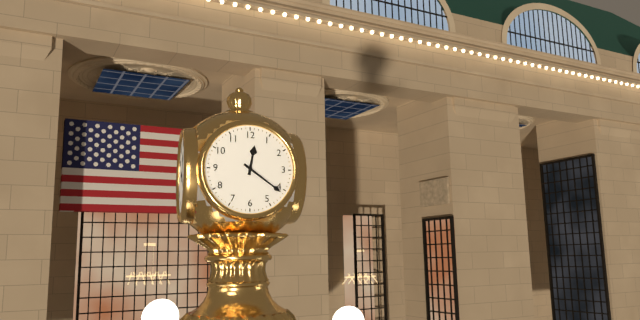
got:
12:21
